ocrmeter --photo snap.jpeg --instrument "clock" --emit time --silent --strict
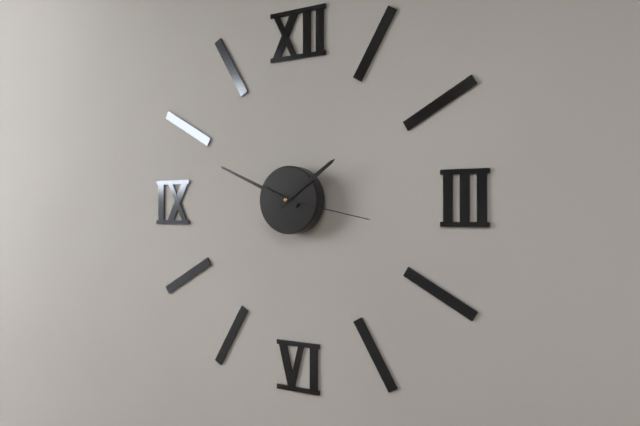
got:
1:49:17
